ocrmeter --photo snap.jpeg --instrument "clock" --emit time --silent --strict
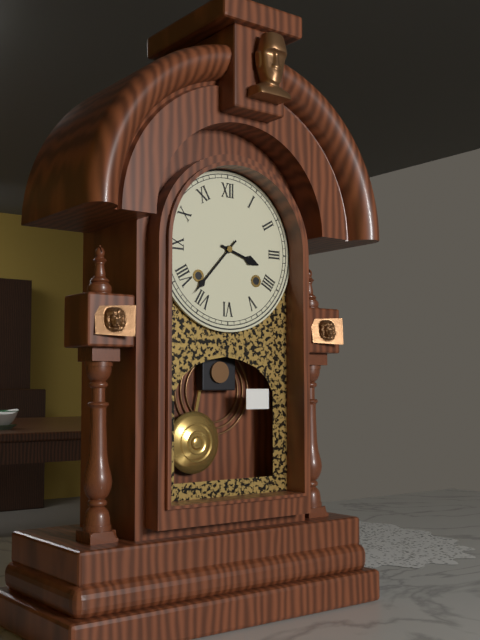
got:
3:37
